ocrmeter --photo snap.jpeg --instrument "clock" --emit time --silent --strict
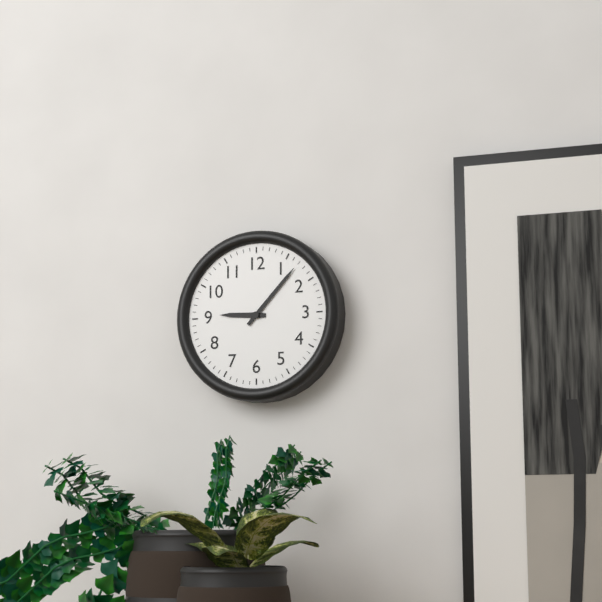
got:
9:07
